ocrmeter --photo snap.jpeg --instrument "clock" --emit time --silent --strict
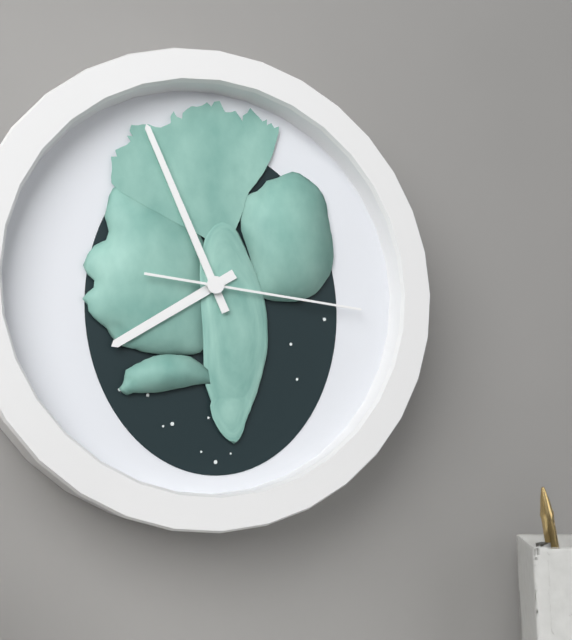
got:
7:56:16
